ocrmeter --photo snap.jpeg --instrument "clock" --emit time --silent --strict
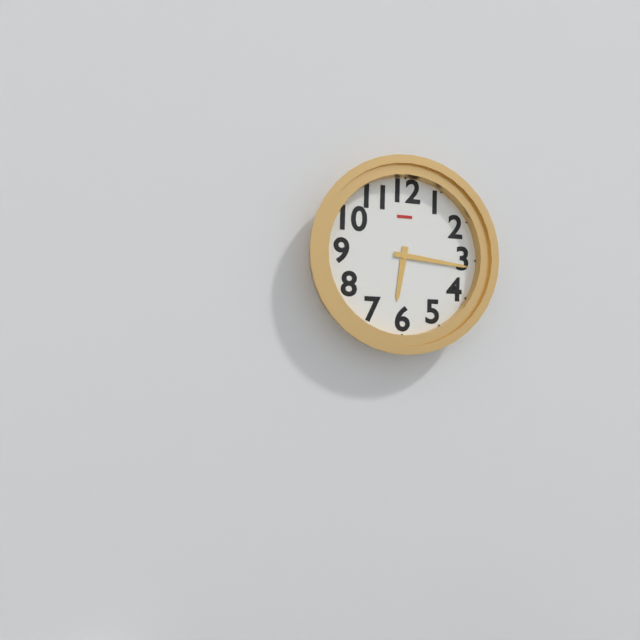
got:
6:16
